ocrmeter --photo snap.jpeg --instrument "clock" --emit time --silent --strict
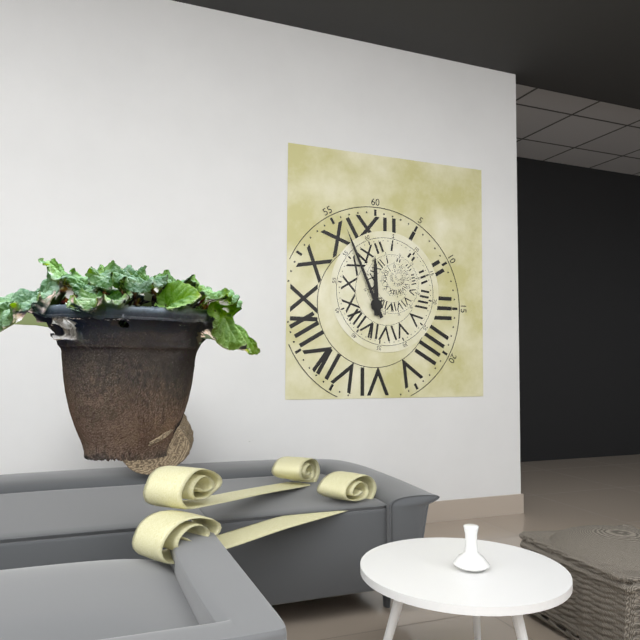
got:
11:56
